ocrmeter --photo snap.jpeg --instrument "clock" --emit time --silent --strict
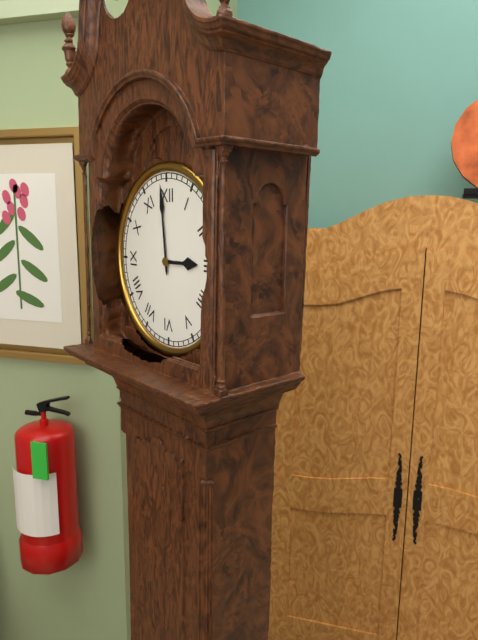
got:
2:59
